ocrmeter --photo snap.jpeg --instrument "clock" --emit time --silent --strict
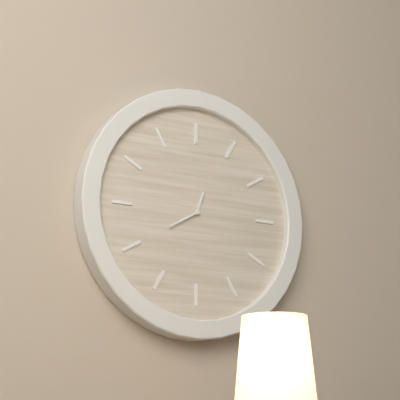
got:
12:40
